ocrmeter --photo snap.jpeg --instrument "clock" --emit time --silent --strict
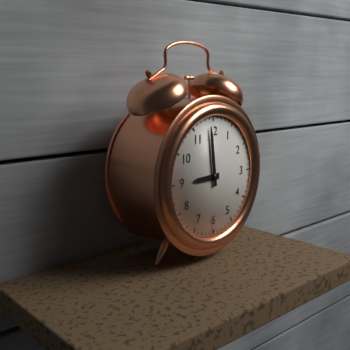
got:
8:59
